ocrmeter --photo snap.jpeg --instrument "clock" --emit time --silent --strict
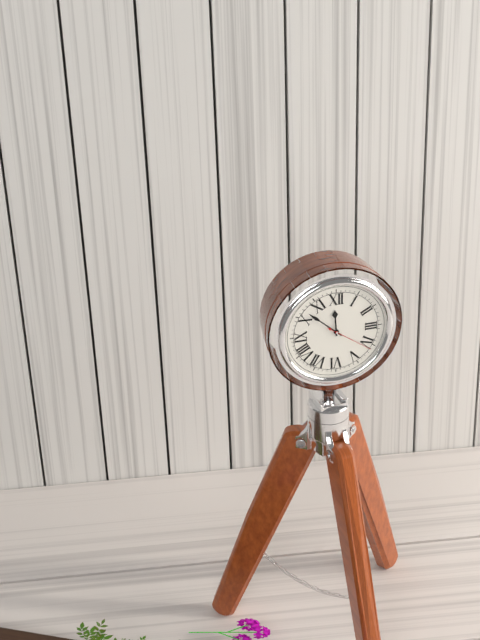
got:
11:52:21
